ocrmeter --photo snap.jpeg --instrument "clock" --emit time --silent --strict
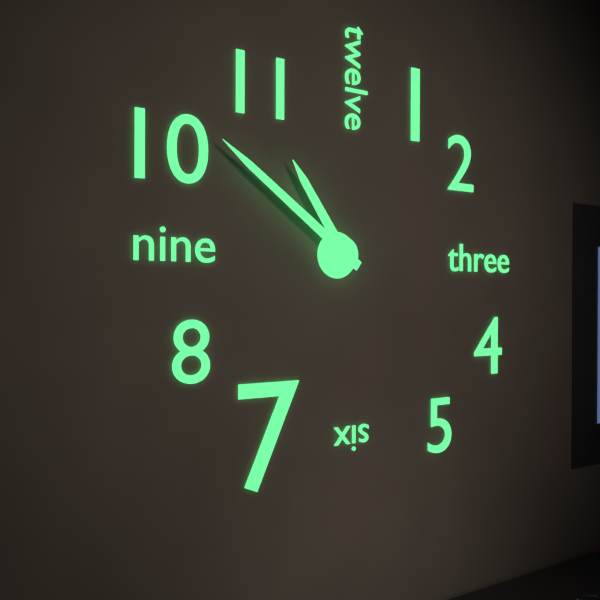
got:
10:51
